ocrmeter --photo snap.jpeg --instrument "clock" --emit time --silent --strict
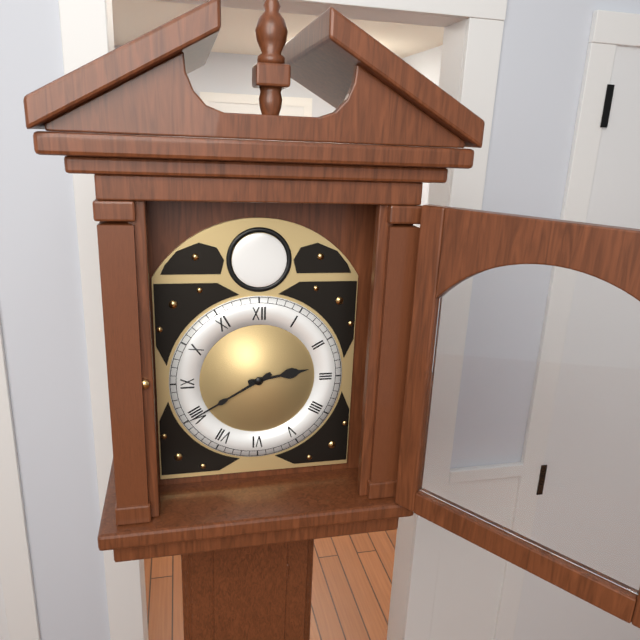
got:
2:40
